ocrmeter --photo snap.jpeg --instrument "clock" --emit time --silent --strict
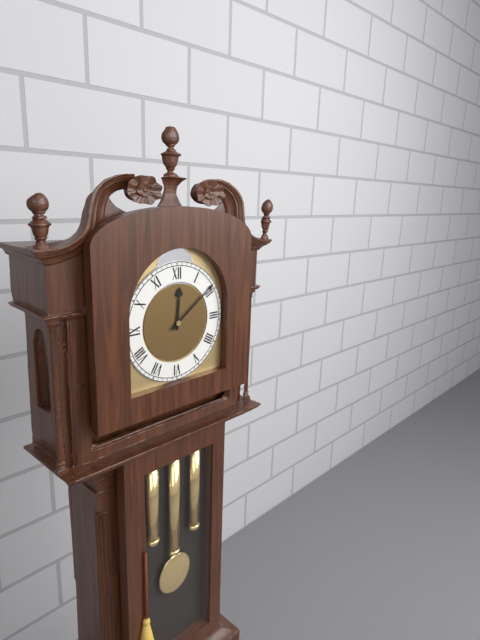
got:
12:09
